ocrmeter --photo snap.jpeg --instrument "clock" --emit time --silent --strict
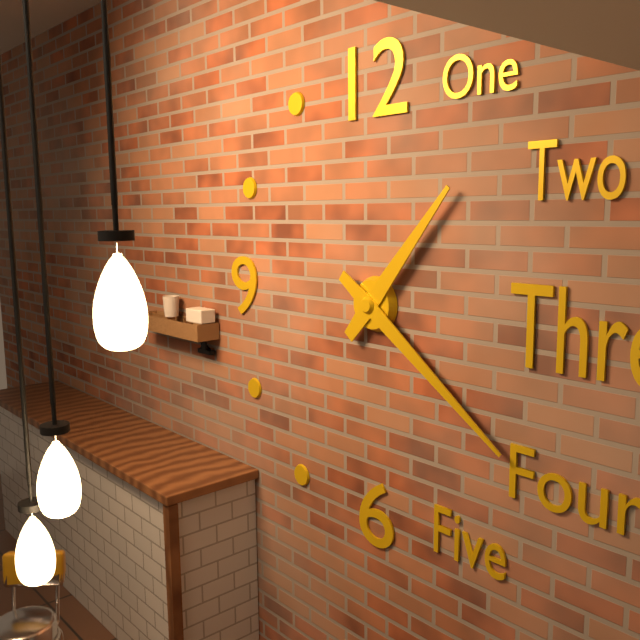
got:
1:21
